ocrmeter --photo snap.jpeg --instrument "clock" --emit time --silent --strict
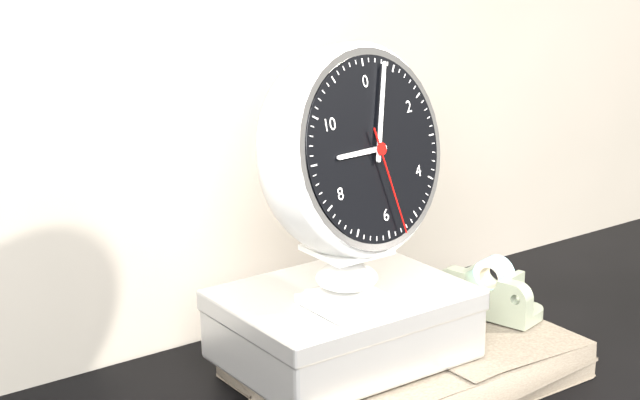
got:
9:03:28
